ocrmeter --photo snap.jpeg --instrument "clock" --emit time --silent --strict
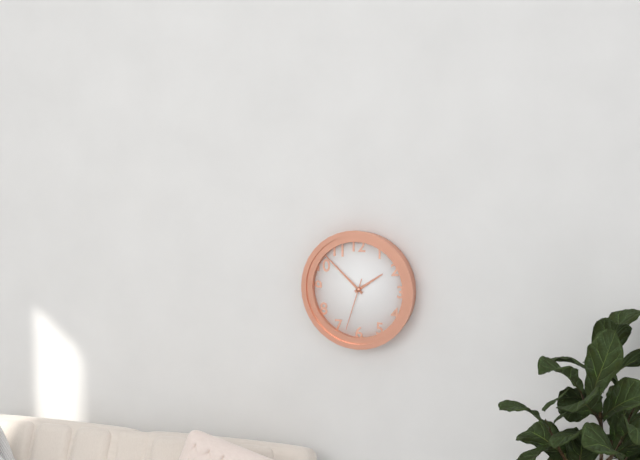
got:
1:52:33
